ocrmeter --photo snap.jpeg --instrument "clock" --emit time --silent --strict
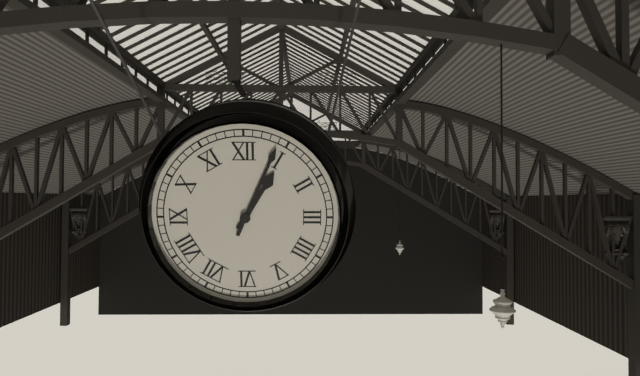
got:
1:04
